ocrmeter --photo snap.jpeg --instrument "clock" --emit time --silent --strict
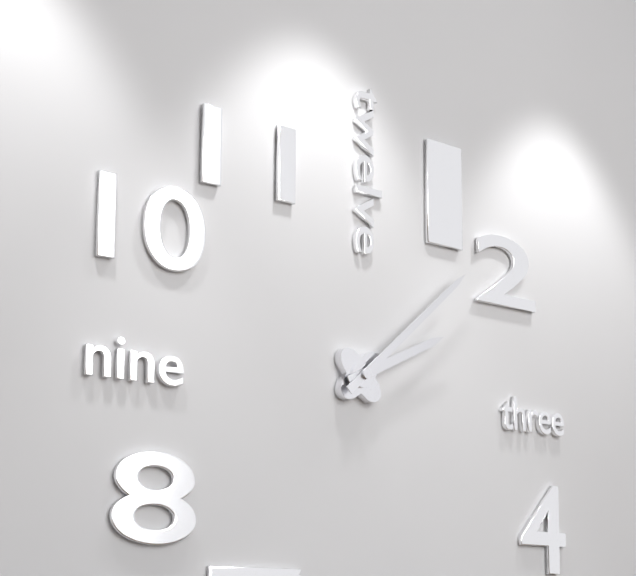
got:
2:08
